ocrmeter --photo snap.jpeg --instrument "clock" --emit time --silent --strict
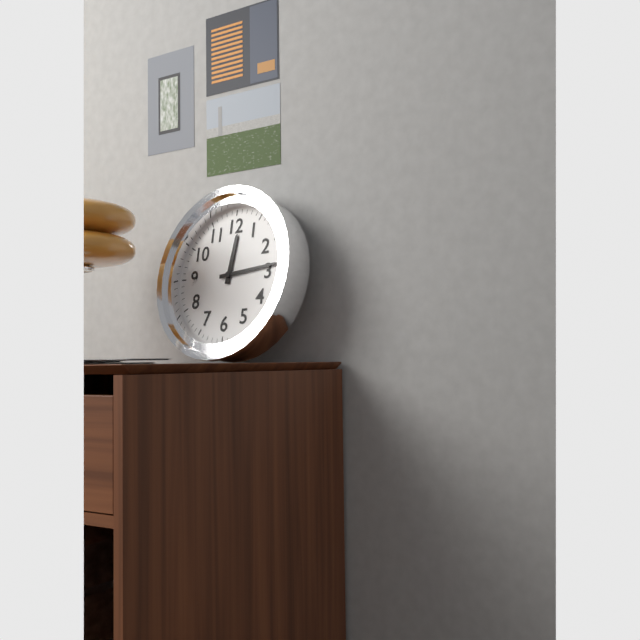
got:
12:14
